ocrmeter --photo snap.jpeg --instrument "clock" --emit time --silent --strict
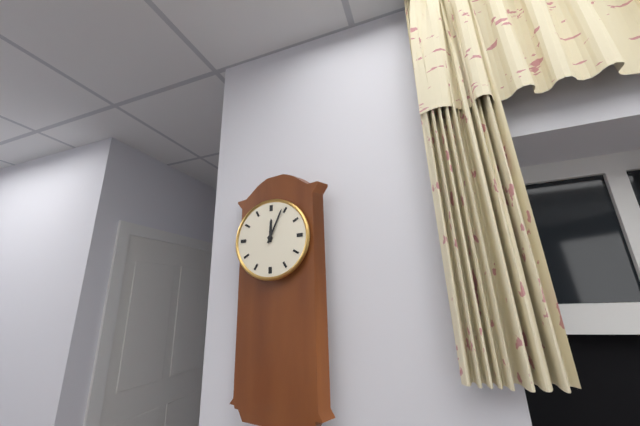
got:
12:04
